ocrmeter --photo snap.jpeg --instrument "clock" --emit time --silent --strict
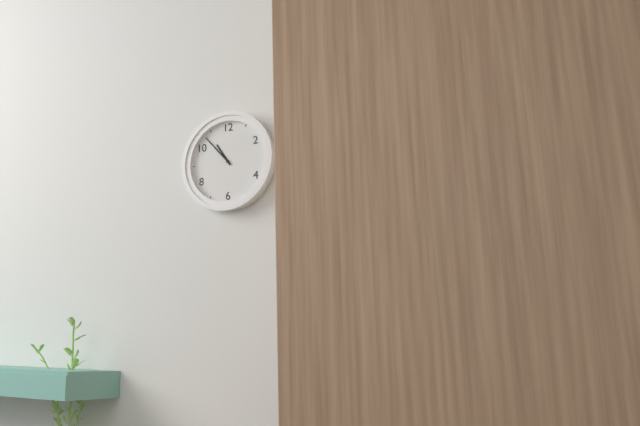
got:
10:53
